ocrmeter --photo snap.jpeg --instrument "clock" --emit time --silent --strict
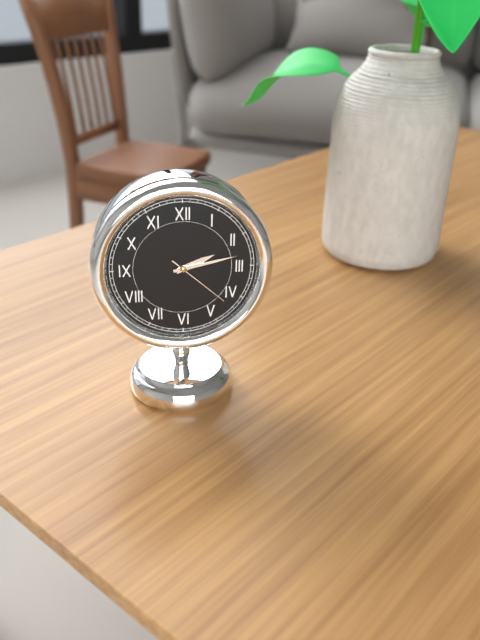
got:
2:13:22
